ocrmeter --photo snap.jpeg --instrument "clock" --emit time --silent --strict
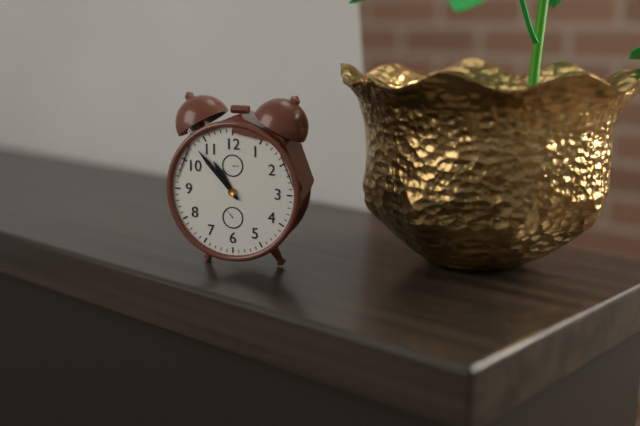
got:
10:53
